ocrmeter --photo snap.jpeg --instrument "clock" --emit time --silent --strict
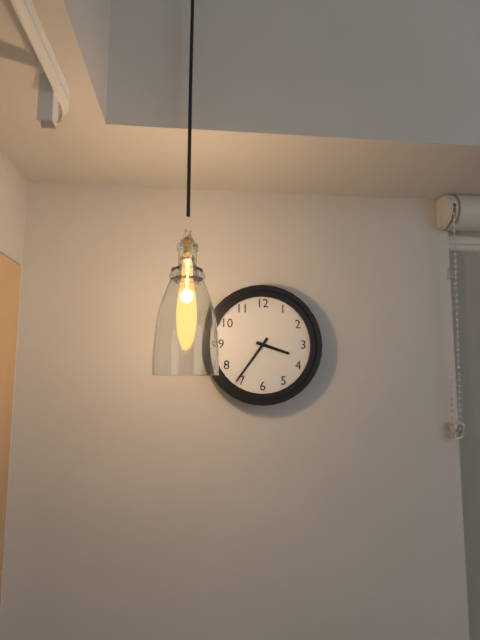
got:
3:36
